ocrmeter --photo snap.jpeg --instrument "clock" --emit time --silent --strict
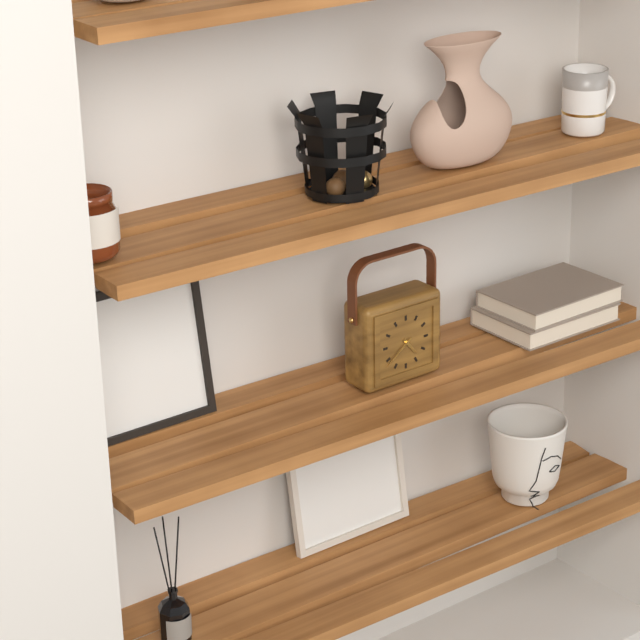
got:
4:39
